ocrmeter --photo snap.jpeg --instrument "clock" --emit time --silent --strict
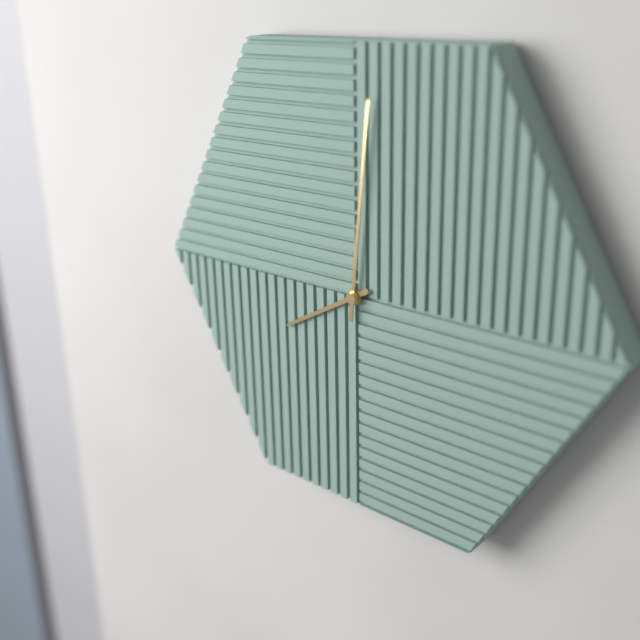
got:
8:01
